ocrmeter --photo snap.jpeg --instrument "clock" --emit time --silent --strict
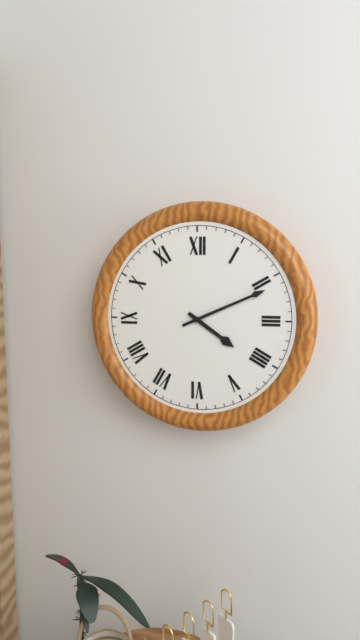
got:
4:11
